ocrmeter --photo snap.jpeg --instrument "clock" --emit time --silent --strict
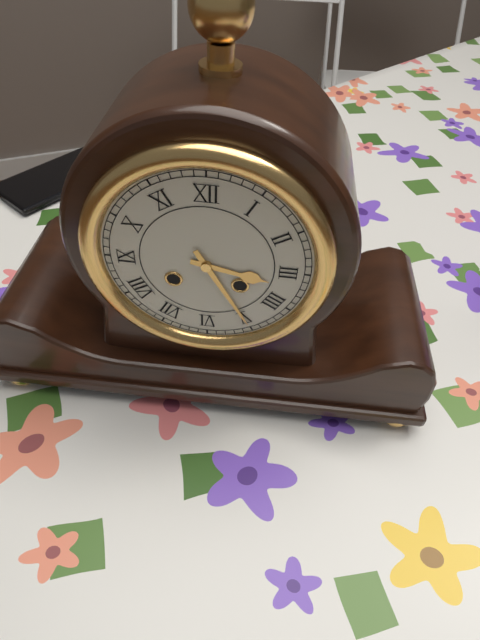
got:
3:25
